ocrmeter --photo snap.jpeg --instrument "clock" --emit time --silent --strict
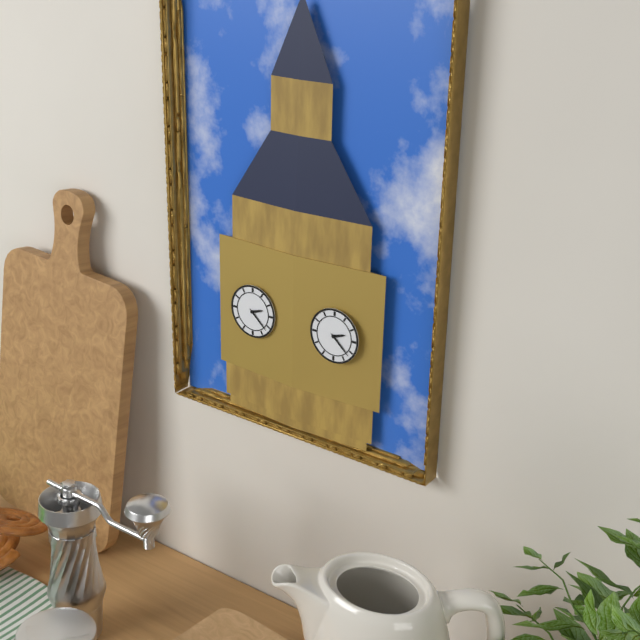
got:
2:22
